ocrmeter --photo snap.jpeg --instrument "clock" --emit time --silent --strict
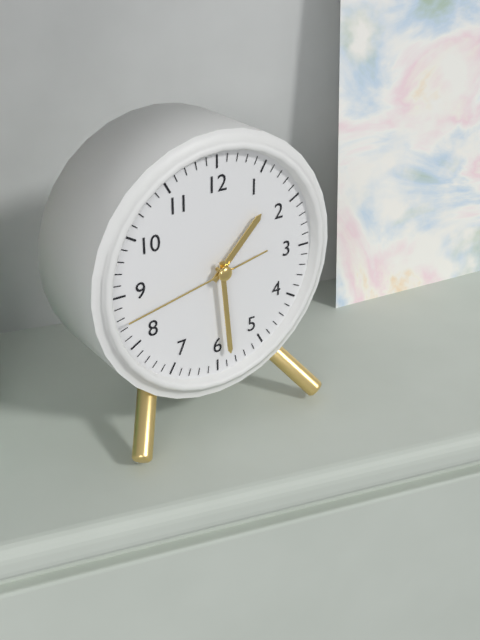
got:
1:29:43
